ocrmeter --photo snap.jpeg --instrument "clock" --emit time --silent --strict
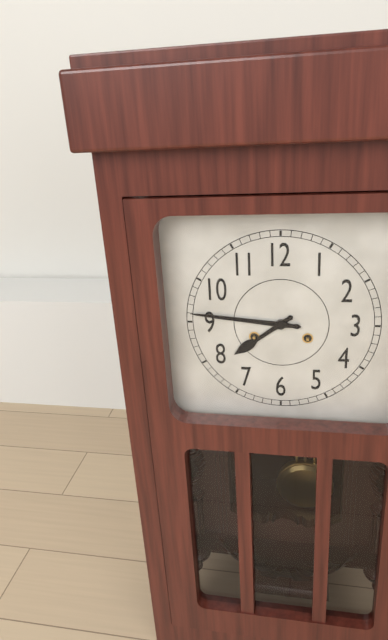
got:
7:46
